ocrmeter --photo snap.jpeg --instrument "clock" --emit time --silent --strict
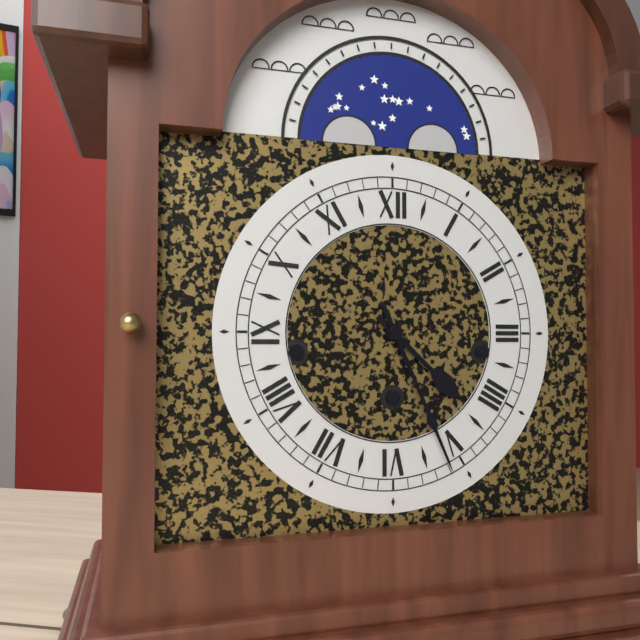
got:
4:26
